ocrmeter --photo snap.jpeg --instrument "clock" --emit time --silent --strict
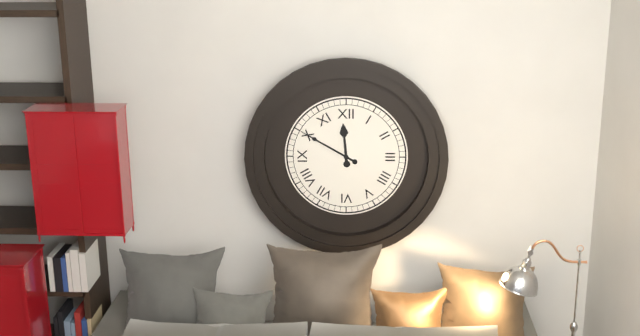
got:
11:50
